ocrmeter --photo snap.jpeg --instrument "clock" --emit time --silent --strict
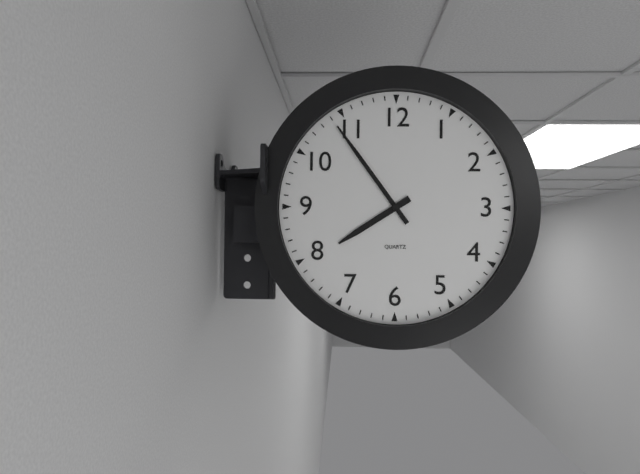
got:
7:54
